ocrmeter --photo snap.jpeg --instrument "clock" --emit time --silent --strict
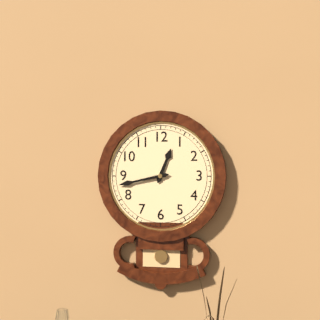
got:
12:43
